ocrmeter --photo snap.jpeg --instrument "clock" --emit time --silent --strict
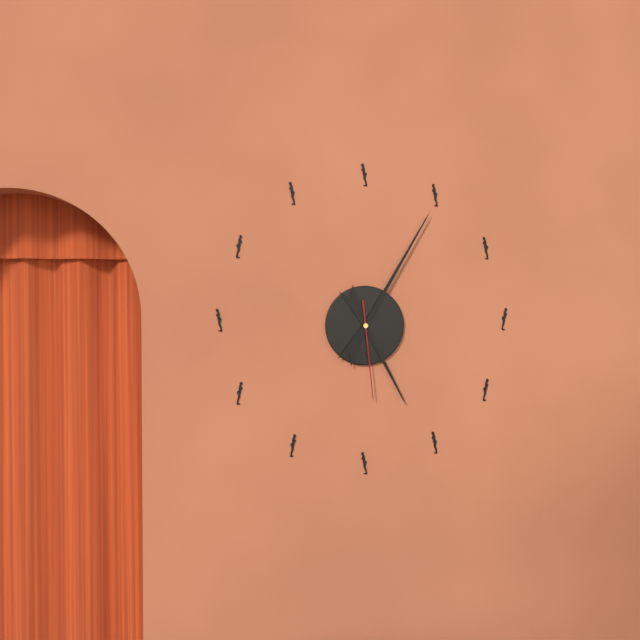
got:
5:05:29
